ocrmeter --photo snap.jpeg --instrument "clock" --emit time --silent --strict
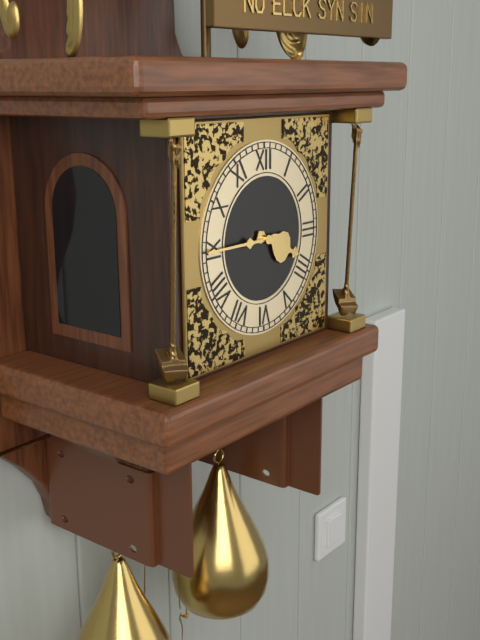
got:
3:45
